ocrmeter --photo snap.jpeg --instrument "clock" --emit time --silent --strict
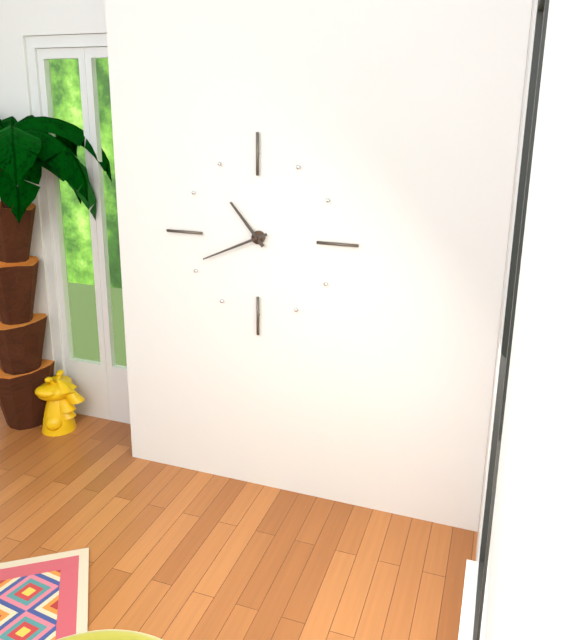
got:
10:41
